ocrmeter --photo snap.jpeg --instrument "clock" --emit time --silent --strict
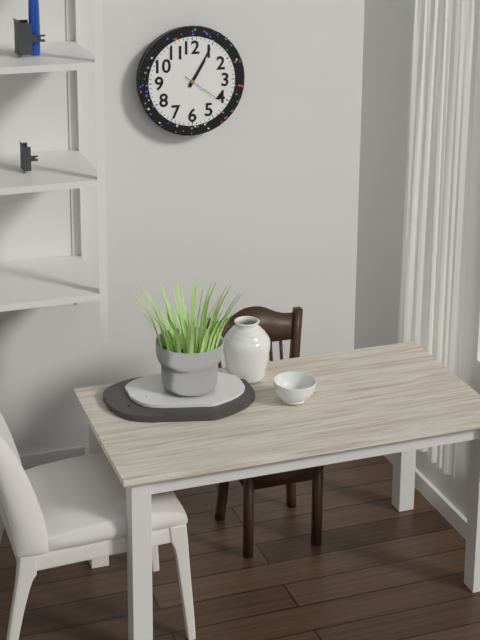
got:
1:05
